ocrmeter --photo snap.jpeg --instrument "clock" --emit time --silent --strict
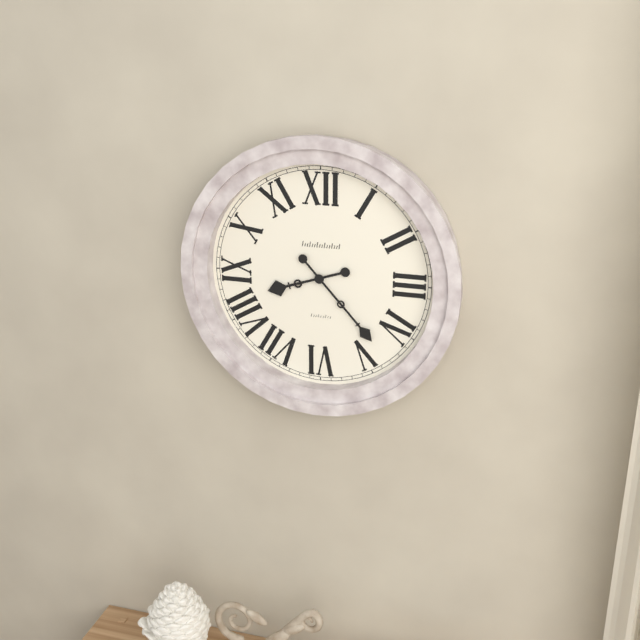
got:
8:23
